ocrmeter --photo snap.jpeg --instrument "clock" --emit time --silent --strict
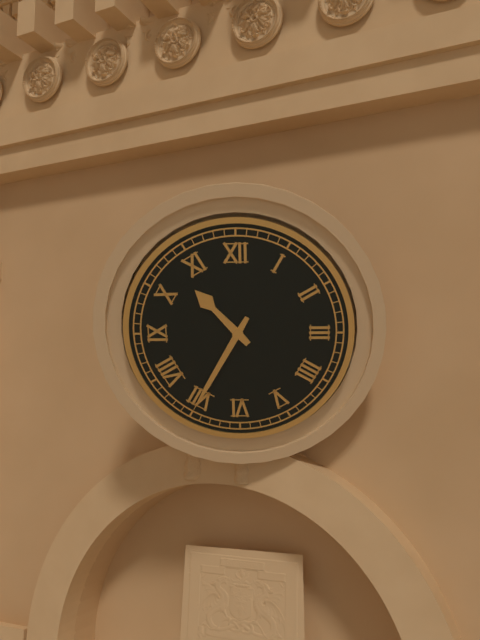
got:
10:35
